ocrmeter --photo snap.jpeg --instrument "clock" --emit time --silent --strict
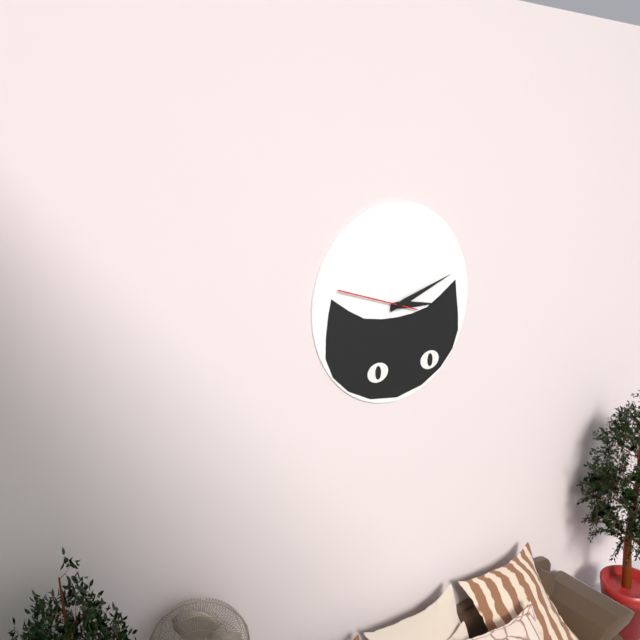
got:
3:12:48
